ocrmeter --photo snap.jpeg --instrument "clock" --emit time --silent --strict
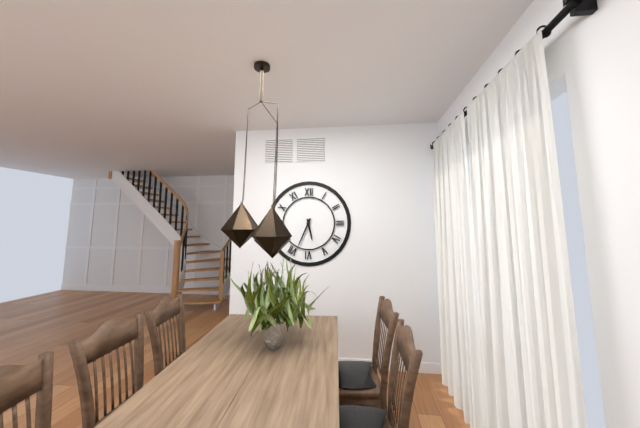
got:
5:34
